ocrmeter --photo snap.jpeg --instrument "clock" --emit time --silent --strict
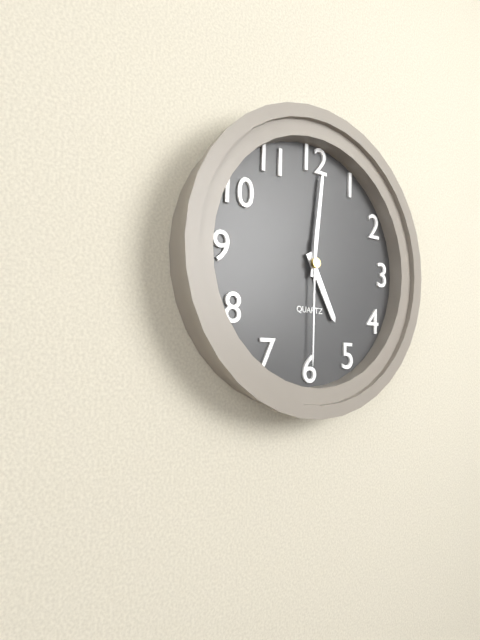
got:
5:01:30
